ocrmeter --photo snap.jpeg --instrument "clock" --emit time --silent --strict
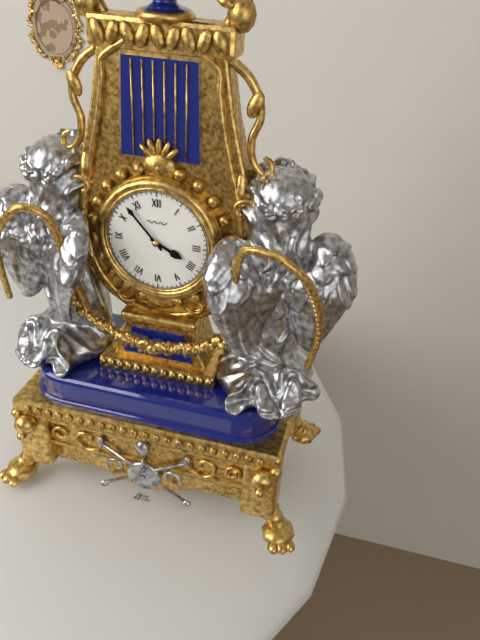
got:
3:53
